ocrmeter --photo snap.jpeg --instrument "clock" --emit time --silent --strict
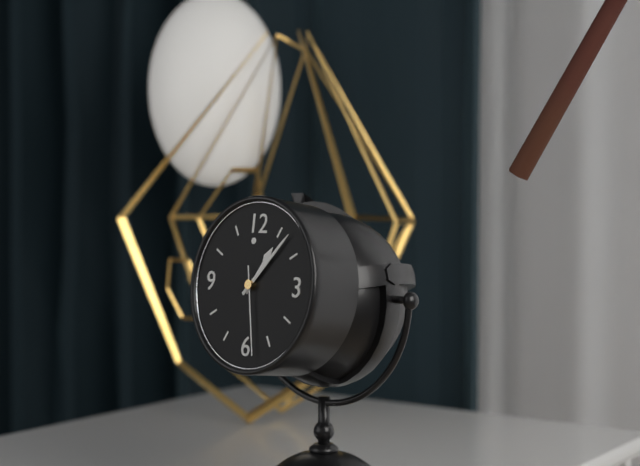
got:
1:07:28
